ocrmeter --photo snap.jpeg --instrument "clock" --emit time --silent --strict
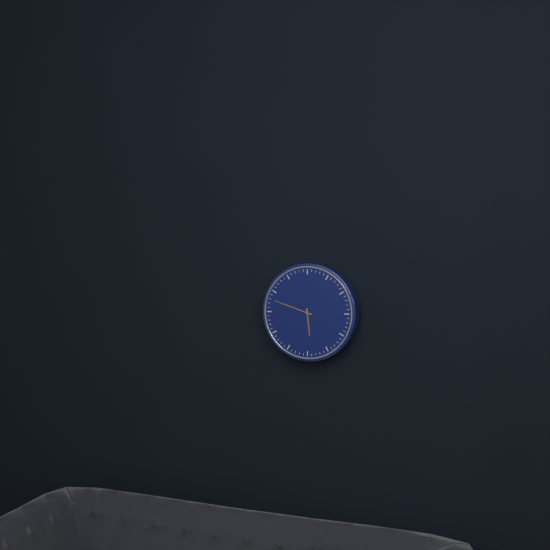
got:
5:48
